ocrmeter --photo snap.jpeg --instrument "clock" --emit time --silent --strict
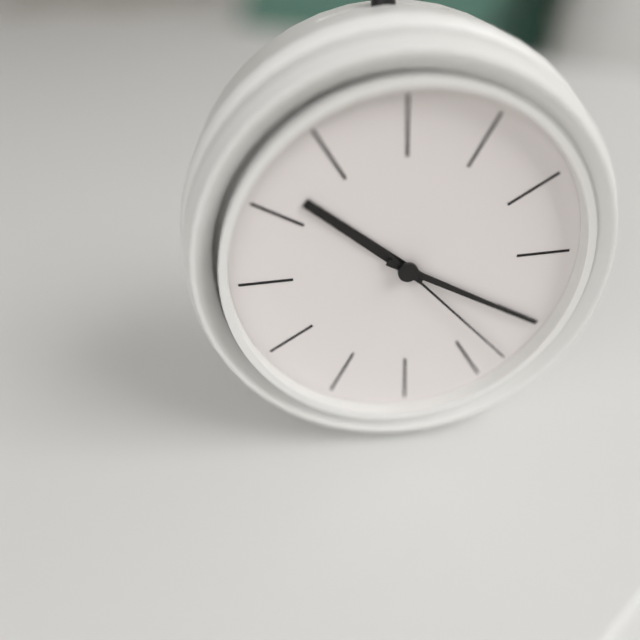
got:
10:20:23
